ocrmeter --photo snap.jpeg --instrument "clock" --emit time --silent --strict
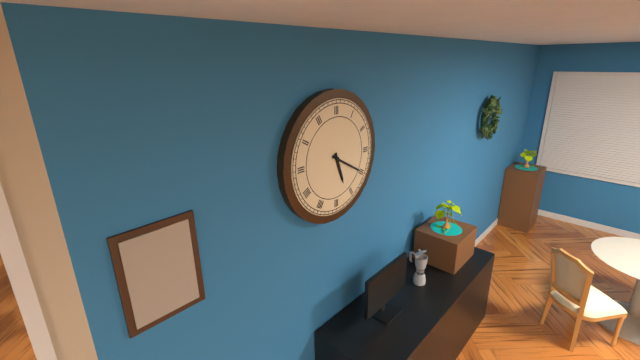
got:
5:20
